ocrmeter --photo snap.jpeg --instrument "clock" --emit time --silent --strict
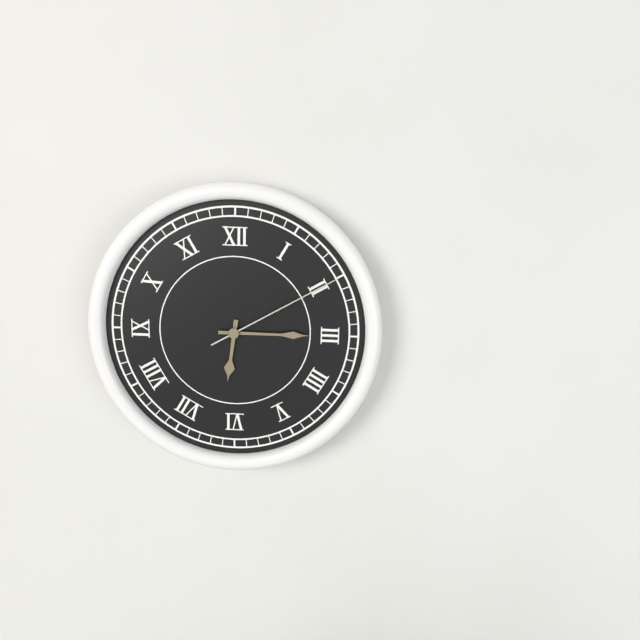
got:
6:15:10
